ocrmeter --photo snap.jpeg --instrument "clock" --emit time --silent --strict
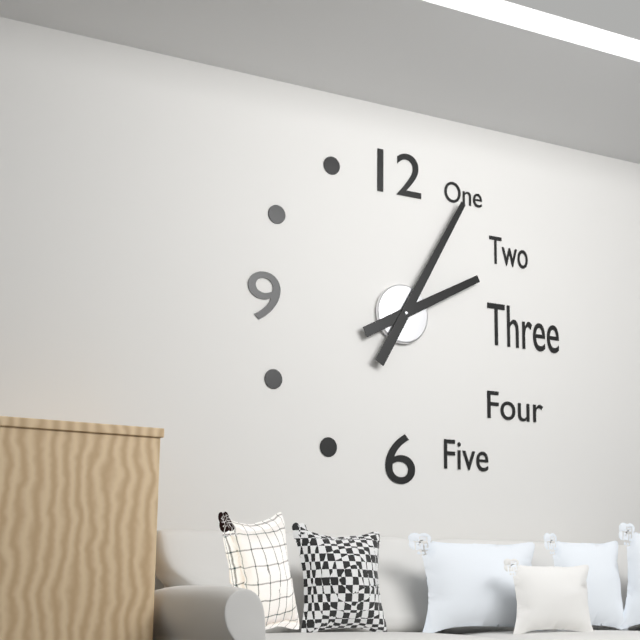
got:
2:05
